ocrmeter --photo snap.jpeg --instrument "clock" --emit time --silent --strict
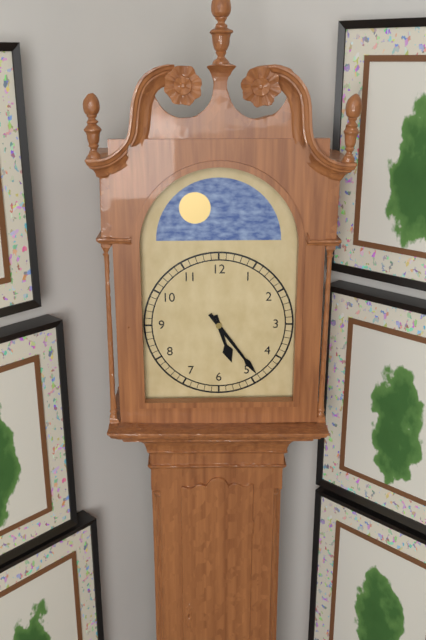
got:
5:24
